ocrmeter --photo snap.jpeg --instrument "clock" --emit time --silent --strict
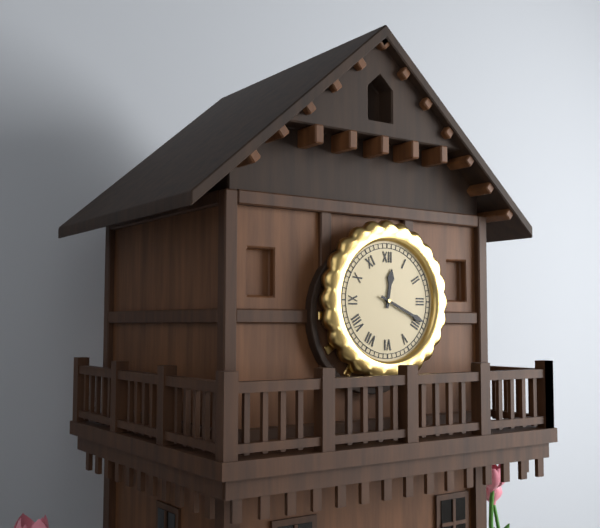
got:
12:19
